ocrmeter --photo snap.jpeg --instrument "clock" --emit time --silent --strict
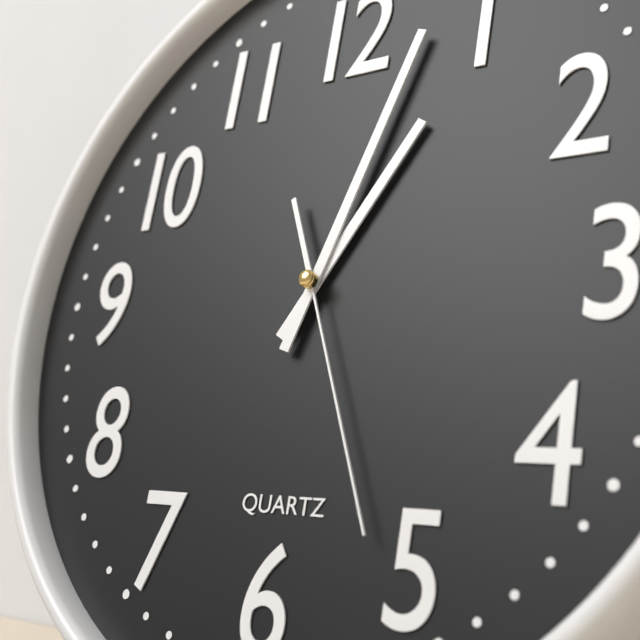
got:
1:03:26
